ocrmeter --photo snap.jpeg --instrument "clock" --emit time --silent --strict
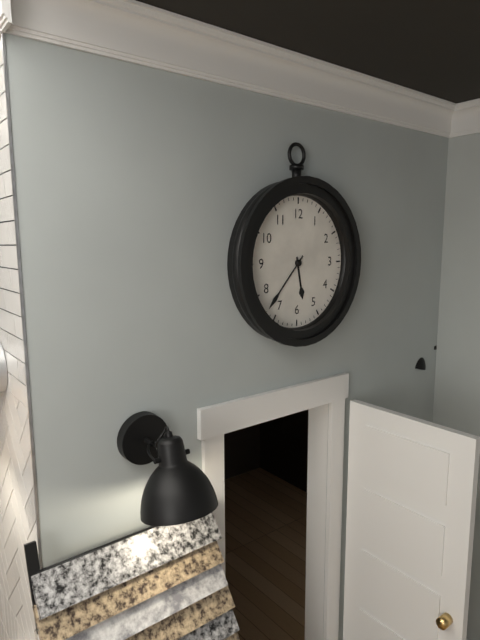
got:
5:37
